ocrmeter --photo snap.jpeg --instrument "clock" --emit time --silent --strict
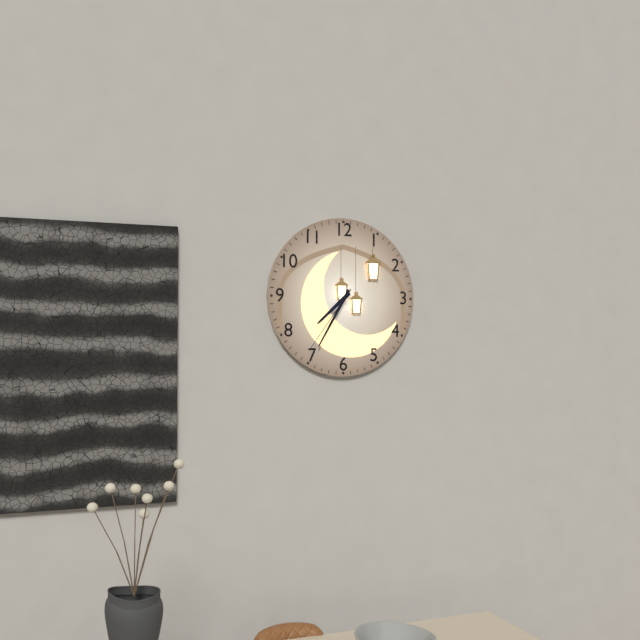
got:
7:35:36
